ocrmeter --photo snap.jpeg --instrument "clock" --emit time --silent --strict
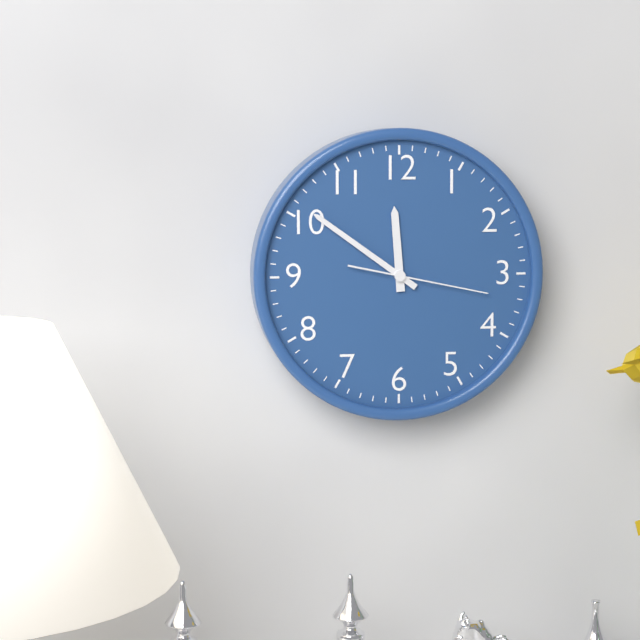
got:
11:51:17
